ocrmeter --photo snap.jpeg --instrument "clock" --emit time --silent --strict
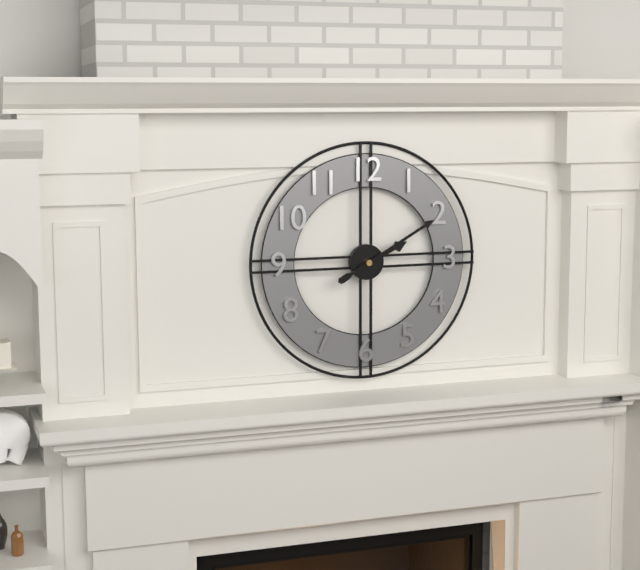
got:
2:10
